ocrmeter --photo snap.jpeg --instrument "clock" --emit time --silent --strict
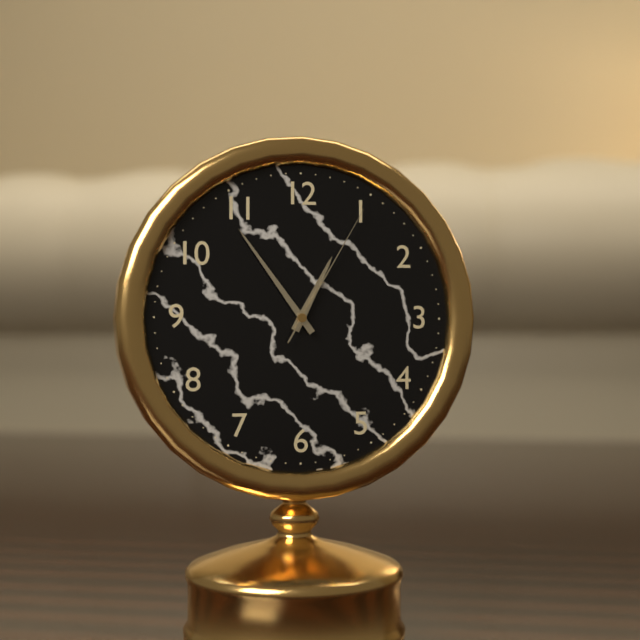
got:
12:54:05
